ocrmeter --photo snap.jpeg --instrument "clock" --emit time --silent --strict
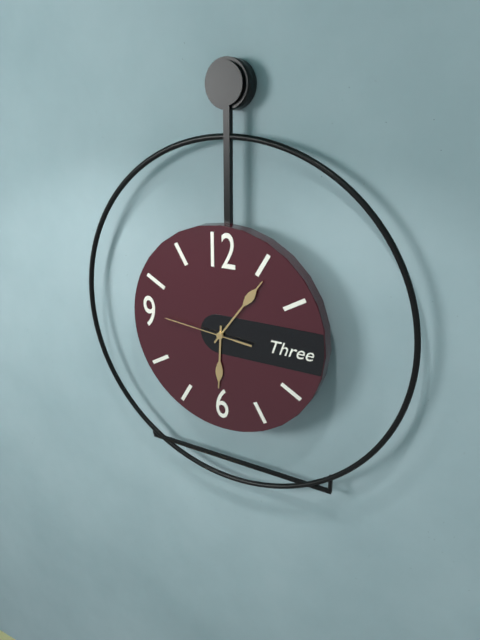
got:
6:06:46
